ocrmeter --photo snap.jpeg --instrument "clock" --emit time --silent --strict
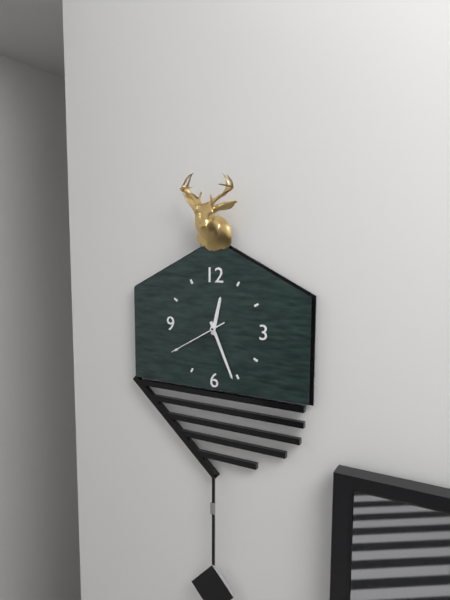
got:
12:26:40
